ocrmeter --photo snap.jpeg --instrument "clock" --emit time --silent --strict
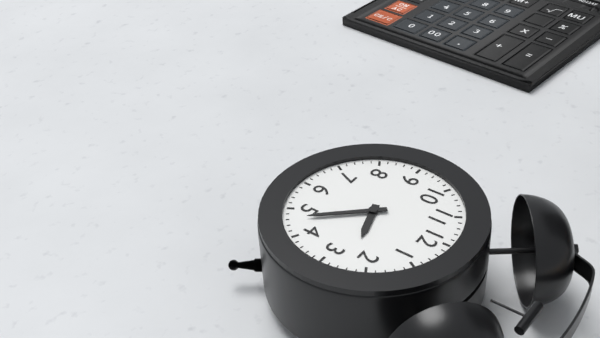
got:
2:23
